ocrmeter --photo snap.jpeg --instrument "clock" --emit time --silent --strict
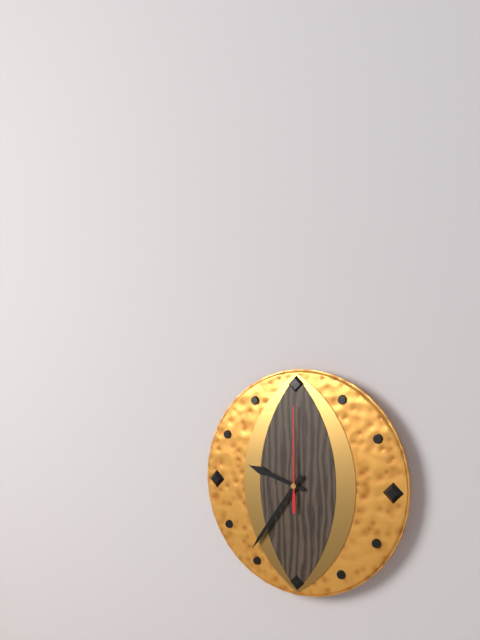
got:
9:36:00
